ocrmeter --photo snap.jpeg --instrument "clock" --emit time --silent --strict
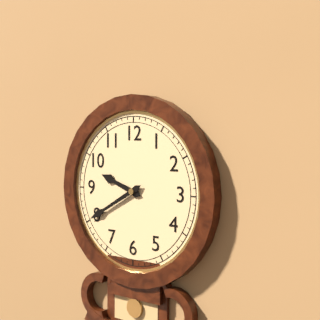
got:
9:40
